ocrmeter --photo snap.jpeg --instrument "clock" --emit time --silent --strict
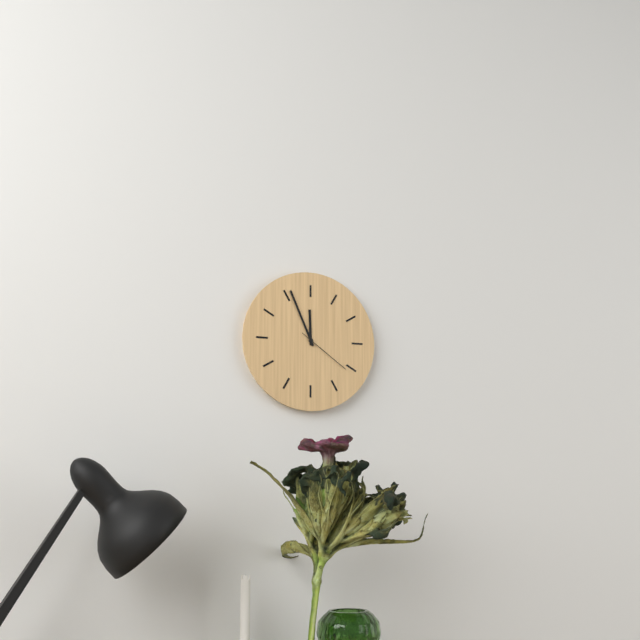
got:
11:56:21
